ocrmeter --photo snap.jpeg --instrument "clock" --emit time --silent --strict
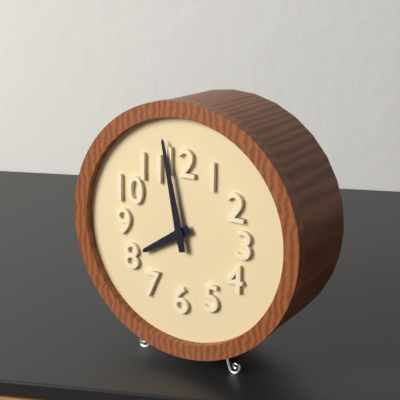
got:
7:58
